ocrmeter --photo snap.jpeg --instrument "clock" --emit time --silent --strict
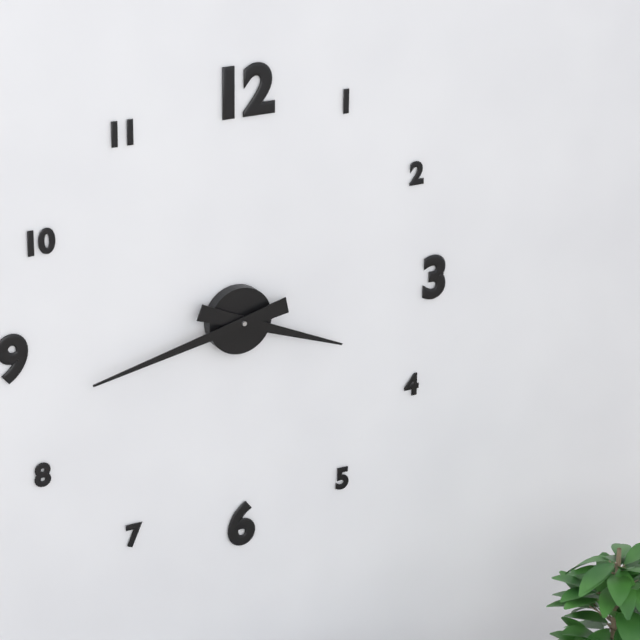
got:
3:43
